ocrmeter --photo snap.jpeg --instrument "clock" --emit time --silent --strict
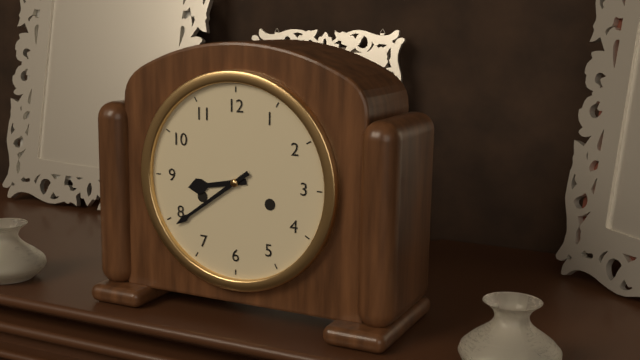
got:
8:39
